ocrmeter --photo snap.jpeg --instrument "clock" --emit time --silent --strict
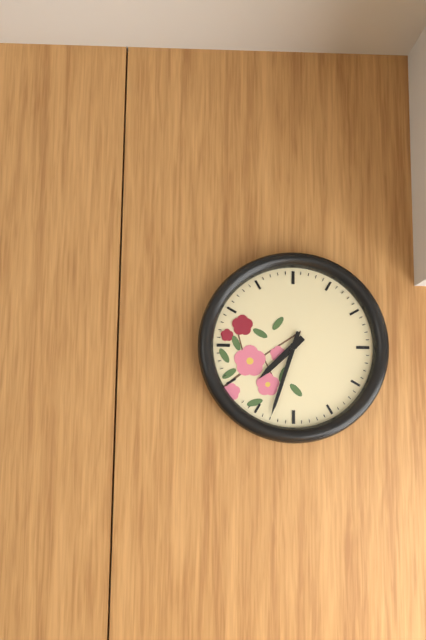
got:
7:33
